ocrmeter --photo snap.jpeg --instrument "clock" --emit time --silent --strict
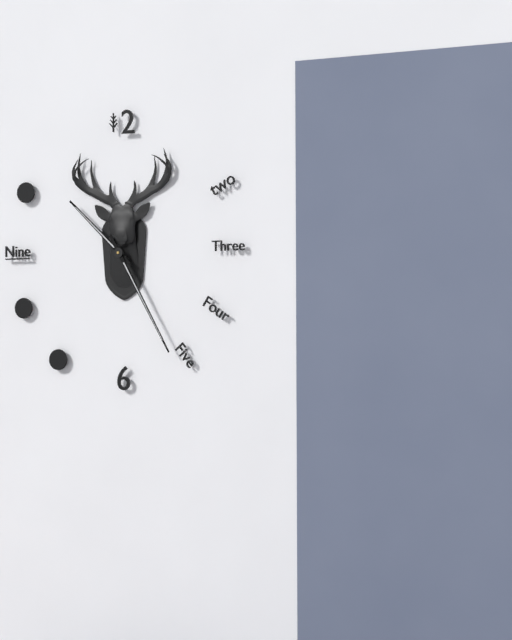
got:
10:25
